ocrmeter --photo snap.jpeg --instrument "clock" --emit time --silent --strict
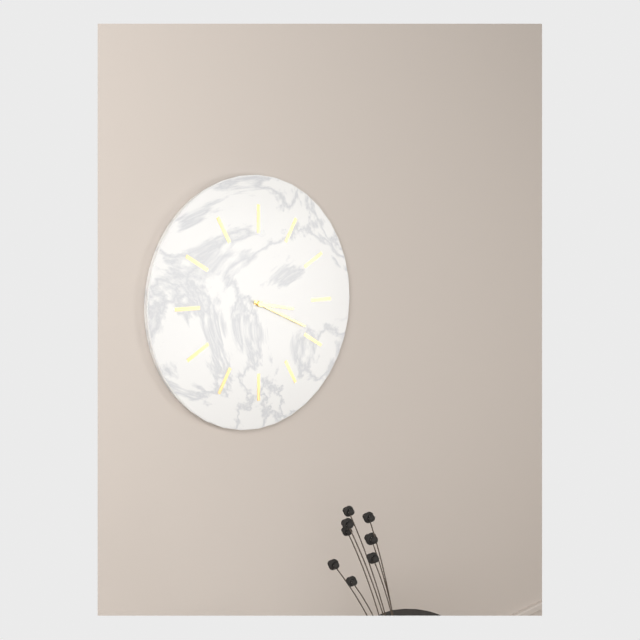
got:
3:19
